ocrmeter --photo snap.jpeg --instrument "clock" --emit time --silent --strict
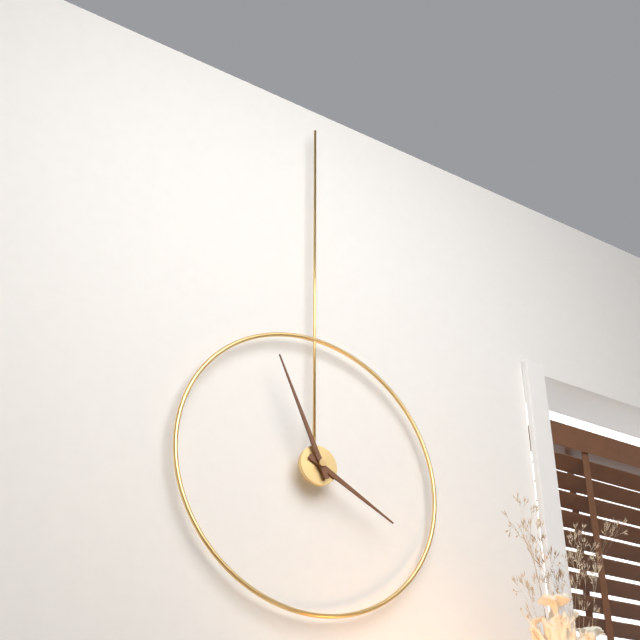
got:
3:56
